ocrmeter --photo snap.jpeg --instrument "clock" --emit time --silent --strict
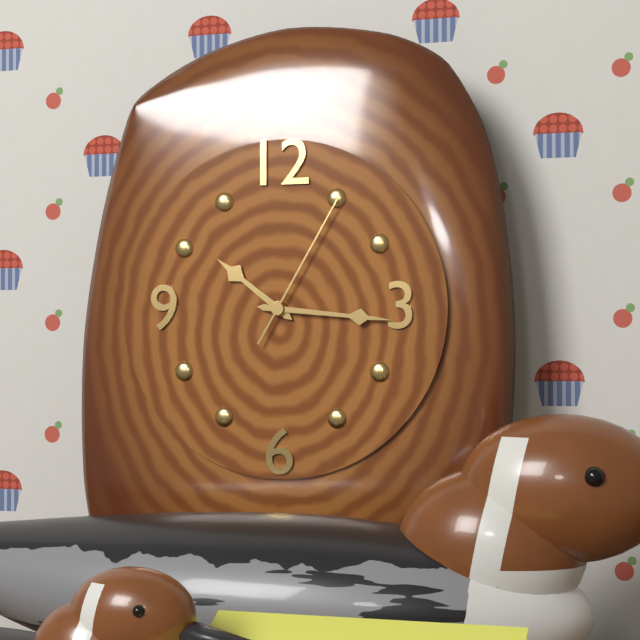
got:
10:16:05
